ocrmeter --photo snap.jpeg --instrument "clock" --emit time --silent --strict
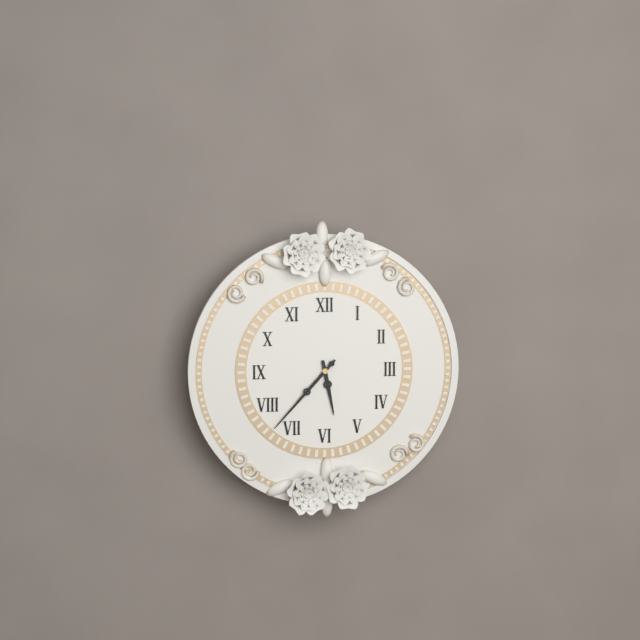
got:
5:37
